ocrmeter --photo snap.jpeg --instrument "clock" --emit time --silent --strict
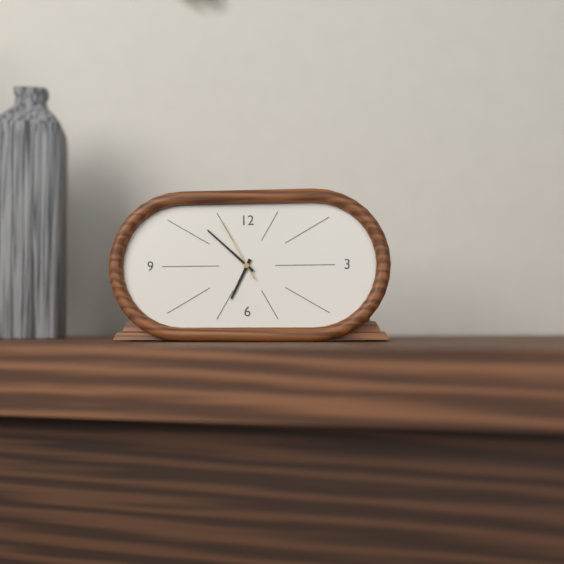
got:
6:52:55
